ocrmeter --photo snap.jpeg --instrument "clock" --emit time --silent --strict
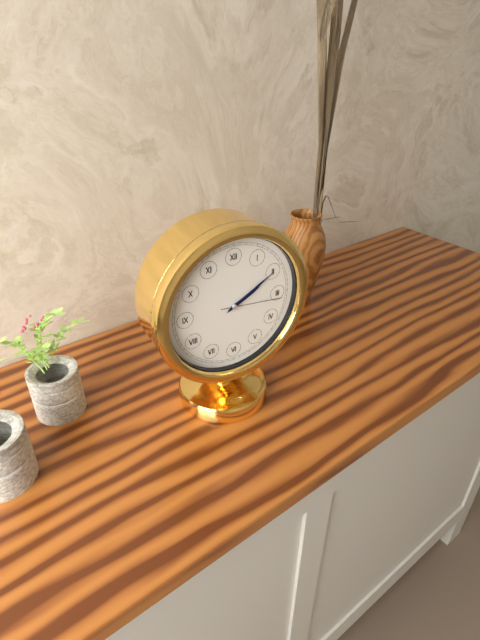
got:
2:10:16
